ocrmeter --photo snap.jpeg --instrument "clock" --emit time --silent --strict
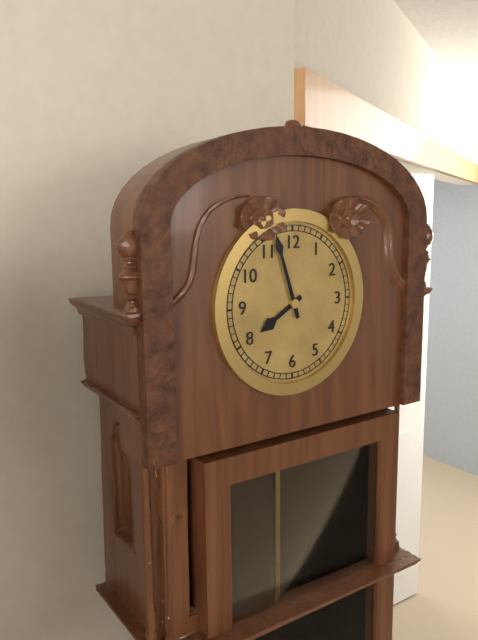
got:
7:57
